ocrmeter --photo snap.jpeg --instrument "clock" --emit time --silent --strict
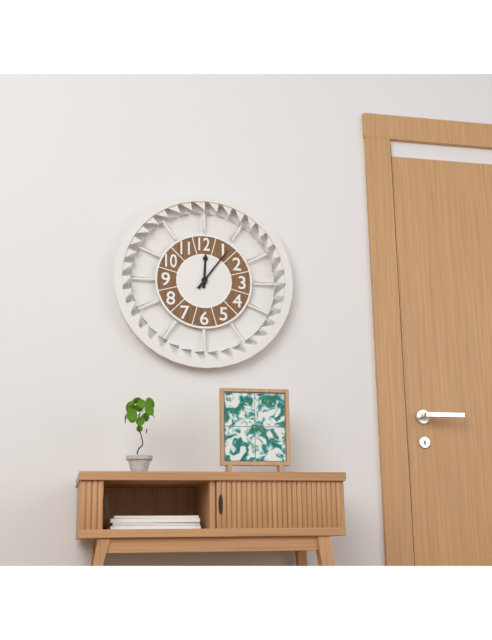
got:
12:06
